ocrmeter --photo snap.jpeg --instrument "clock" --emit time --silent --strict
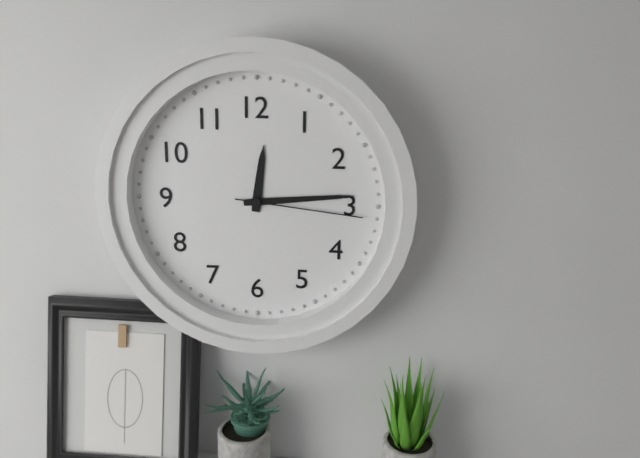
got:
12:14:16
